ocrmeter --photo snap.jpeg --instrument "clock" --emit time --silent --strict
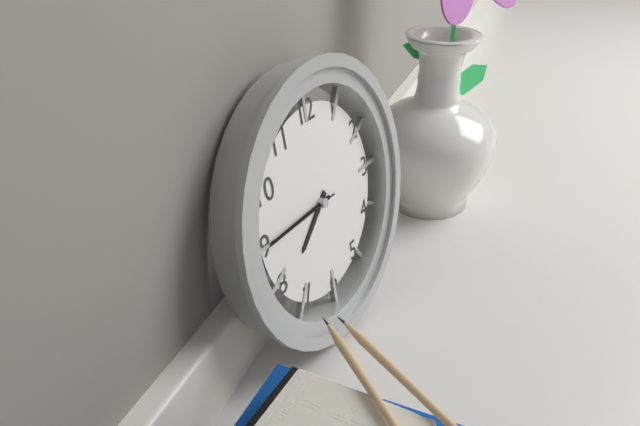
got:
7:45:45
